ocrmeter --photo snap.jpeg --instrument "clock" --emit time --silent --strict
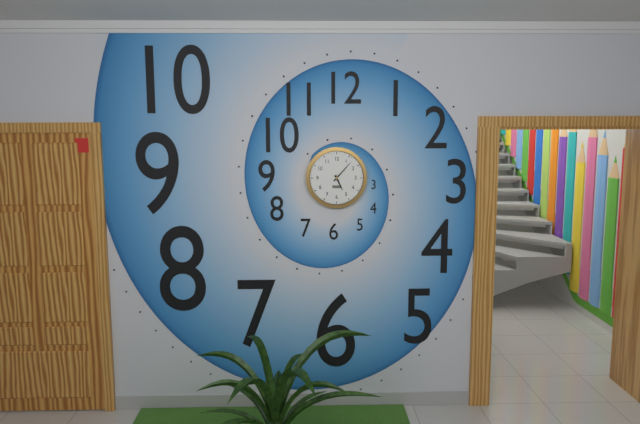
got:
5:07
